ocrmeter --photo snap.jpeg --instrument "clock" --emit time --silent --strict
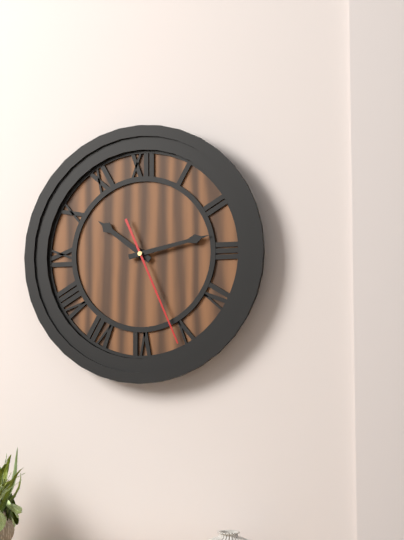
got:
10:13:26
